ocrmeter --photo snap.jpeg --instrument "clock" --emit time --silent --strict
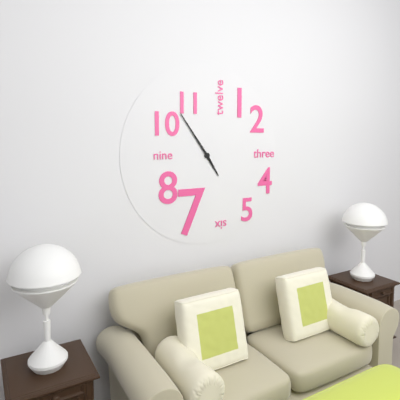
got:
4:54
